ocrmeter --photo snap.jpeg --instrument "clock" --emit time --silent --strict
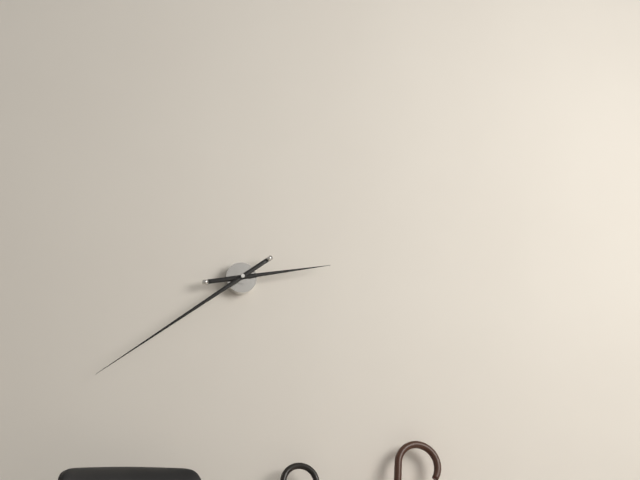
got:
2:39
